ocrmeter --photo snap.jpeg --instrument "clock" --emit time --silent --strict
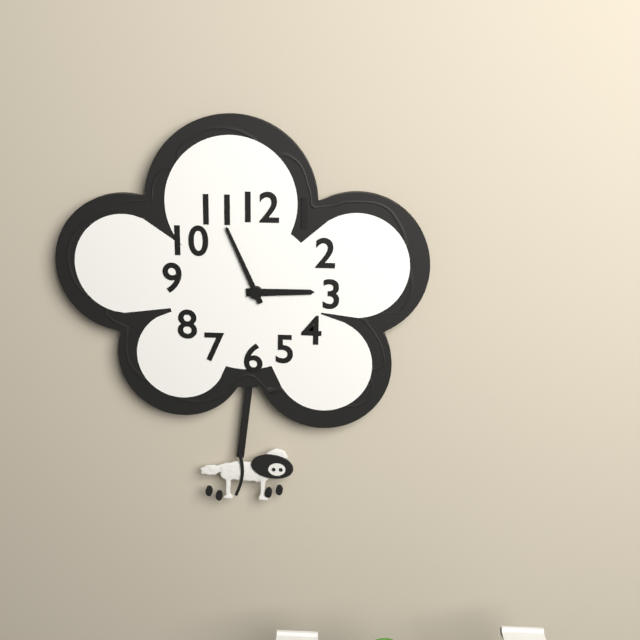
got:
2:56
